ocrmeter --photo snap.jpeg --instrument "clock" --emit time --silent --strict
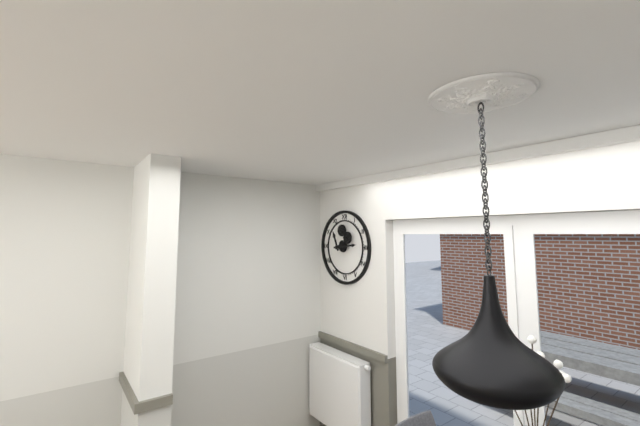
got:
11:14
